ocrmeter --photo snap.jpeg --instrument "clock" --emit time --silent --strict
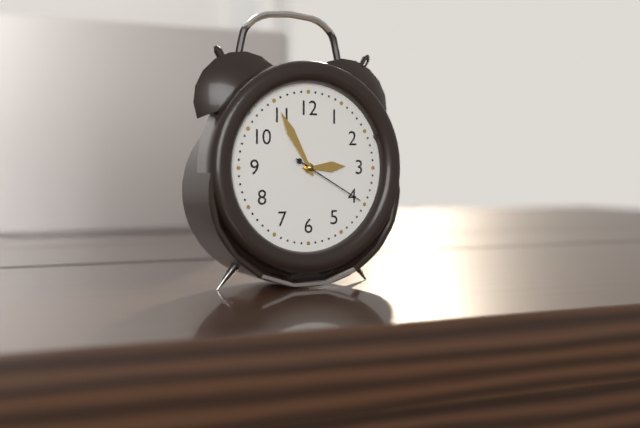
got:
2:55:20
